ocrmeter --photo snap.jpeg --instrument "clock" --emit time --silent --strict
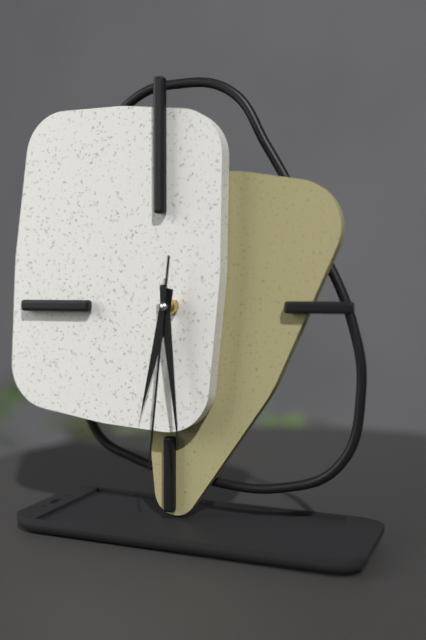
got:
6:29:31
